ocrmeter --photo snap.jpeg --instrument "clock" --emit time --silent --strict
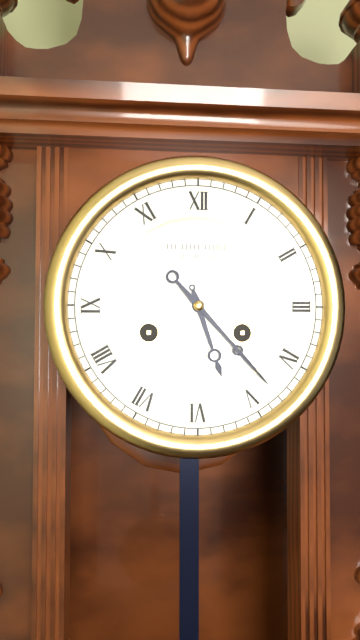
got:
5:23
